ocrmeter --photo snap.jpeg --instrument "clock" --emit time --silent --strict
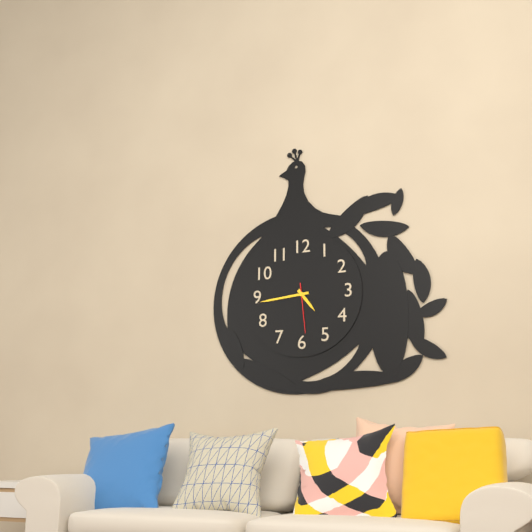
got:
4:44
